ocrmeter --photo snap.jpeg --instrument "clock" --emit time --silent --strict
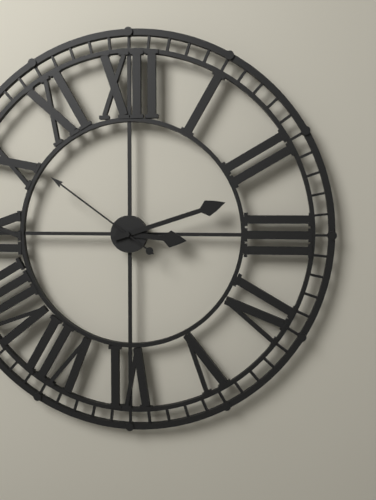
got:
3:12:51
